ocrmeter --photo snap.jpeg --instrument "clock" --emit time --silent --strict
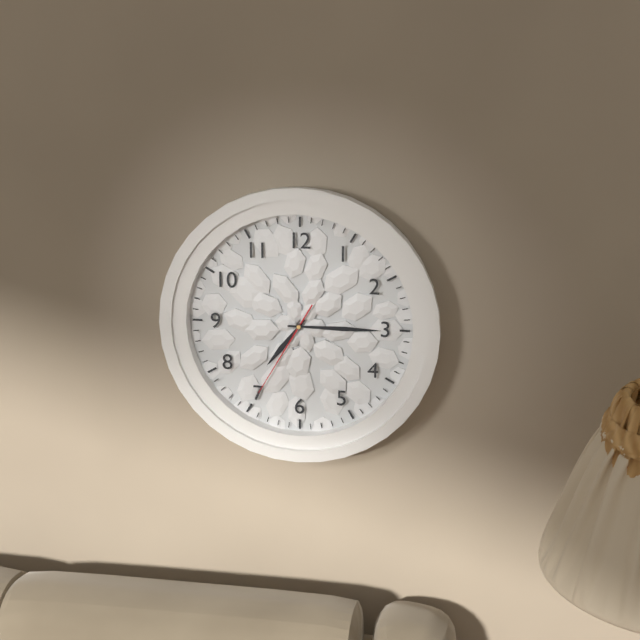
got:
7:15:35
